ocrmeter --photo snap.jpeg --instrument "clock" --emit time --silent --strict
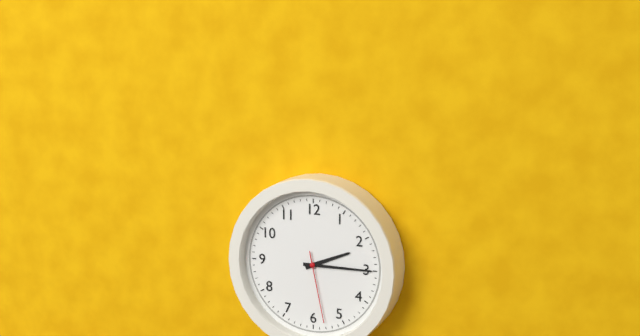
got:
2:15:28
